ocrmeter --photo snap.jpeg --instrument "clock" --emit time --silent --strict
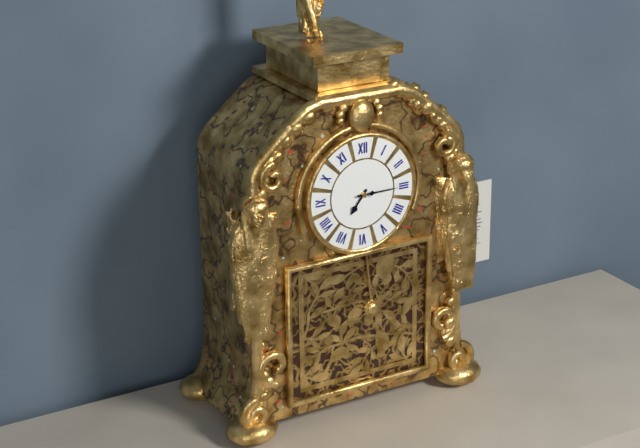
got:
7:15
